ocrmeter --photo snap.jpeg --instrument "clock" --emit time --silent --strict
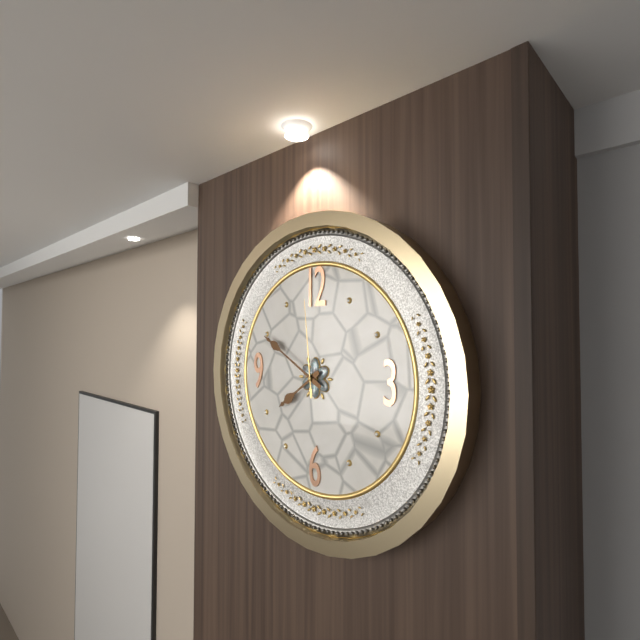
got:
7:50:59
